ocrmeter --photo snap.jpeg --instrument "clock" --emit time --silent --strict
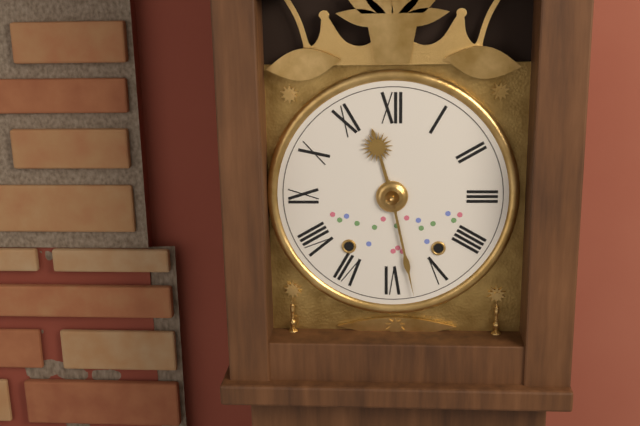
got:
11:28
